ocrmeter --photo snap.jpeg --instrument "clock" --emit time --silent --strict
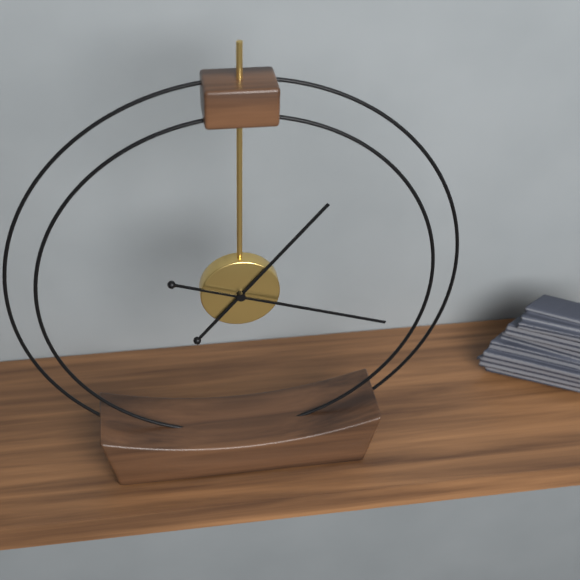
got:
1:18
